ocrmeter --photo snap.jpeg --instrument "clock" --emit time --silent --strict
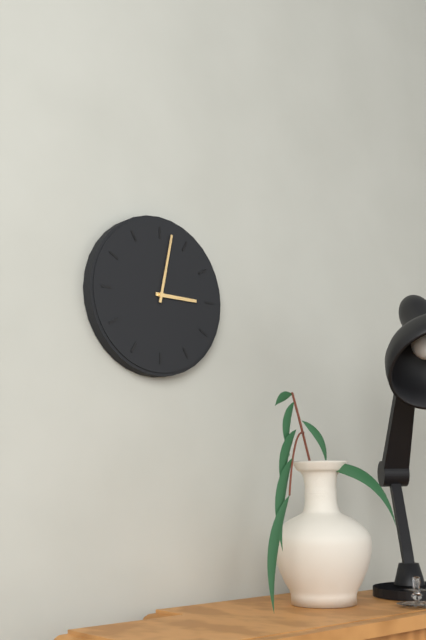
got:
3:02
